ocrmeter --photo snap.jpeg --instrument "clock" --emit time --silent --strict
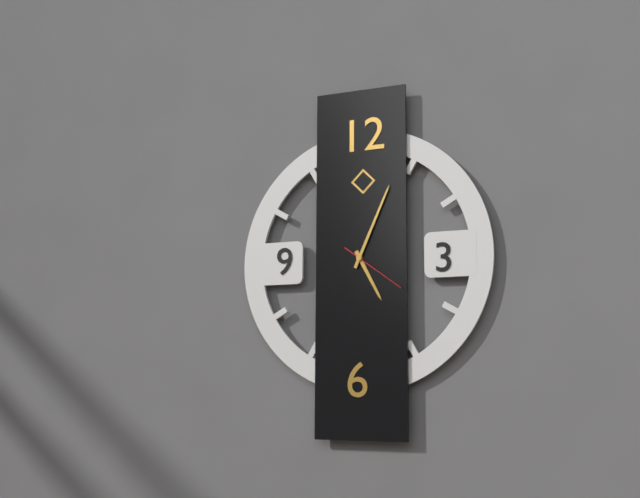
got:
5:04:21
